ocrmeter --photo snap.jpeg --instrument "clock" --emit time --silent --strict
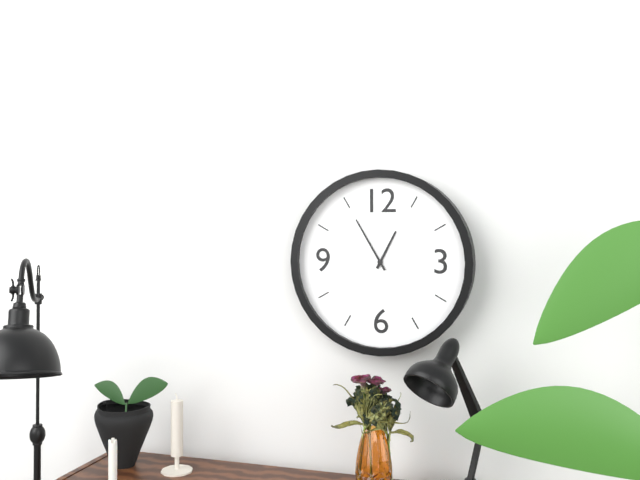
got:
12:55
